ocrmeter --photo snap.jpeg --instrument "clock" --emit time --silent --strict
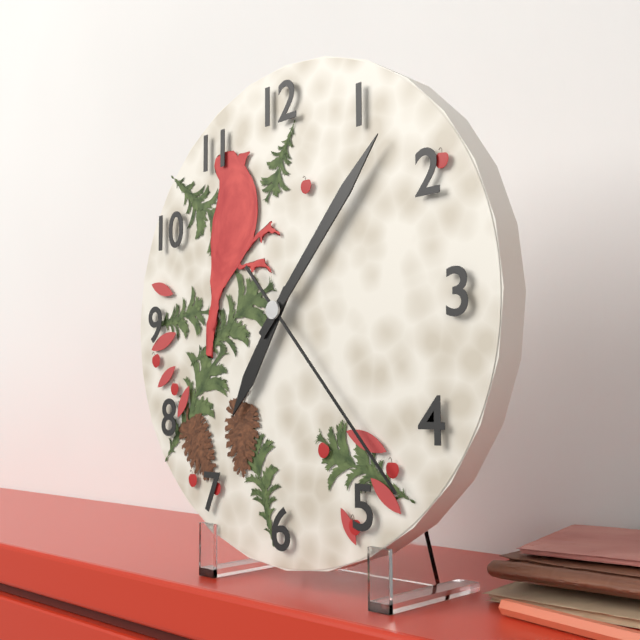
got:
7:07:23
